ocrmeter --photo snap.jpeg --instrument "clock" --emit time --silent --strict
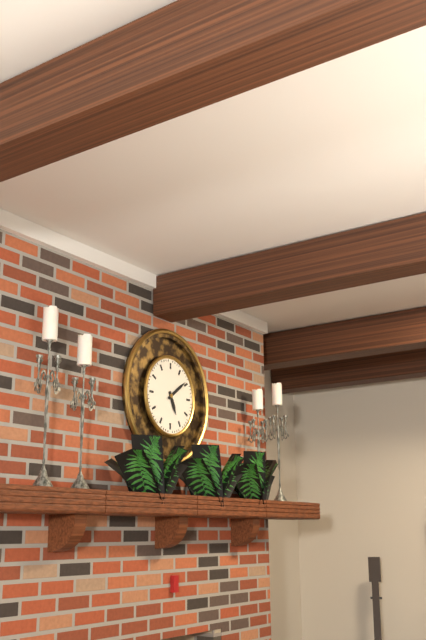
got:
5:09
